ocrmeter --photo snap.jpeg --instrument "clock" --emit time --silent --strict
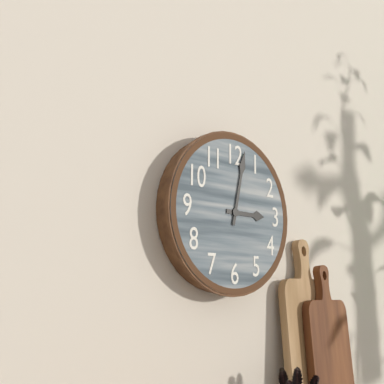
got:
3:02
